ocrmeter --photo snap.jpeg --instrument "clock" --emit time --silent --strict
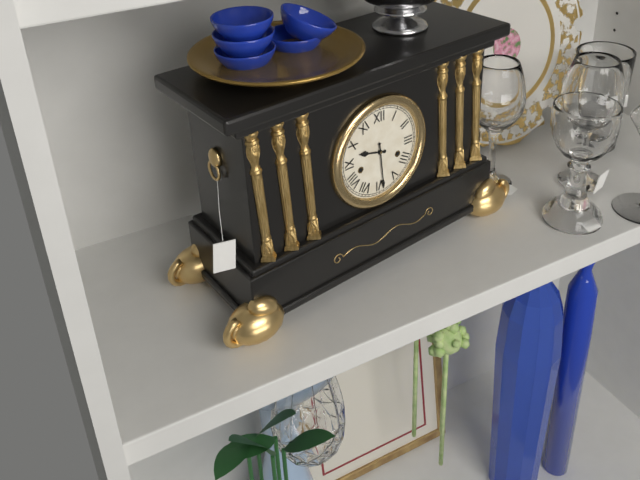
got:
9:29
